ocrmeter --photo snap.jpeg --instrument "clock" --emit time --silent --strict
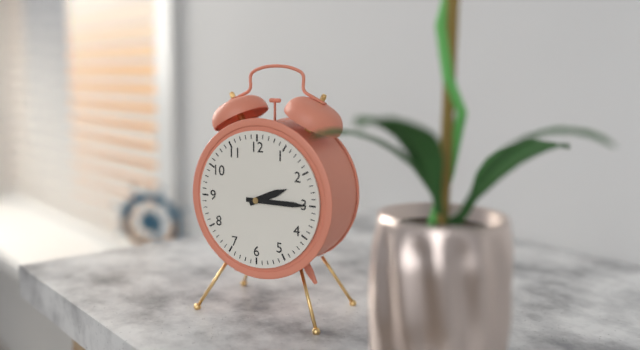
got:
2:15
